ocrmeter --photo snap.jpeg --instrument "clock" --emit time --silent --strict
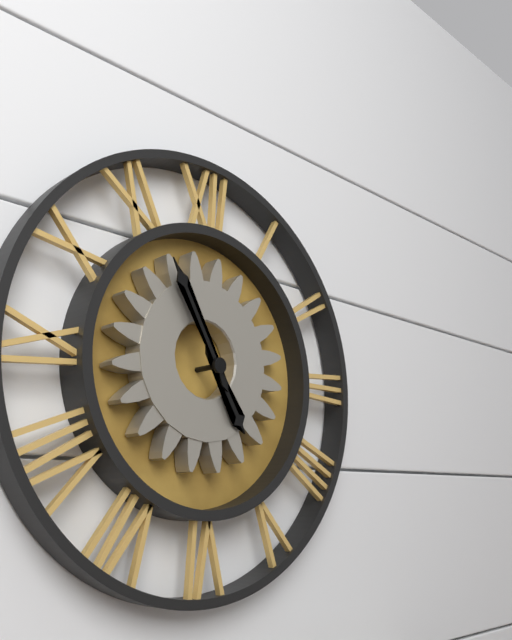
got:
4:55
